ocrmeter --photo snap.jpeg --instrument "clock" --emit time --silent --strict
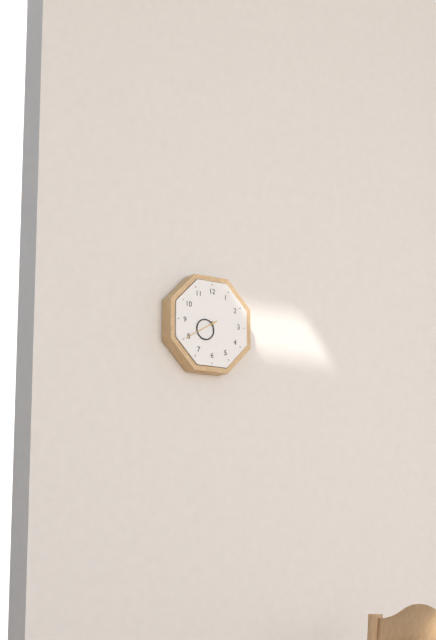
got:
7:40
